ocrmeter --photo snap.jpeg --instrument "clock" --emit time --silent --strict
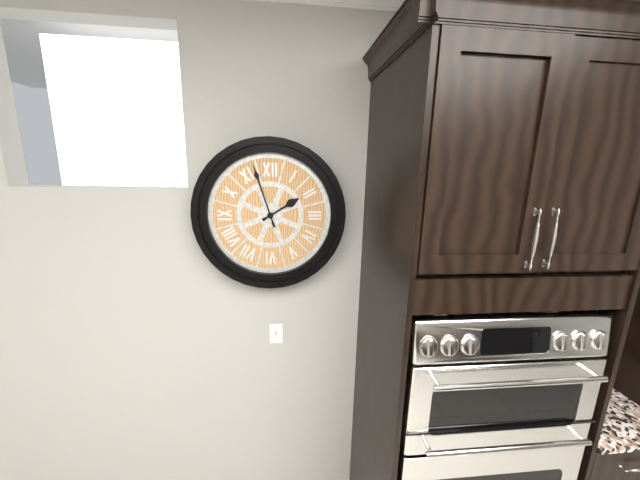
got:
1:57
